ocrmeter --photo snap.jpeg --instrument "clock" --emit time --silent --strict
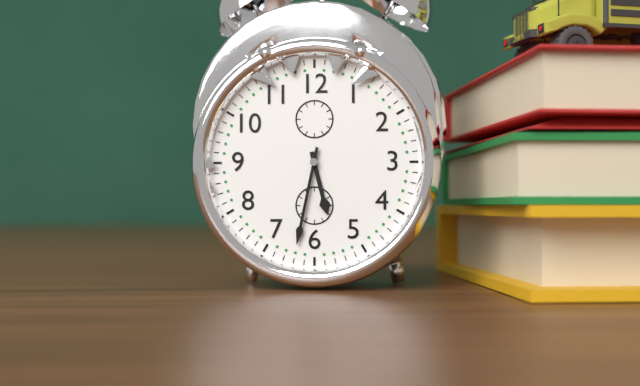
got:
5:32
